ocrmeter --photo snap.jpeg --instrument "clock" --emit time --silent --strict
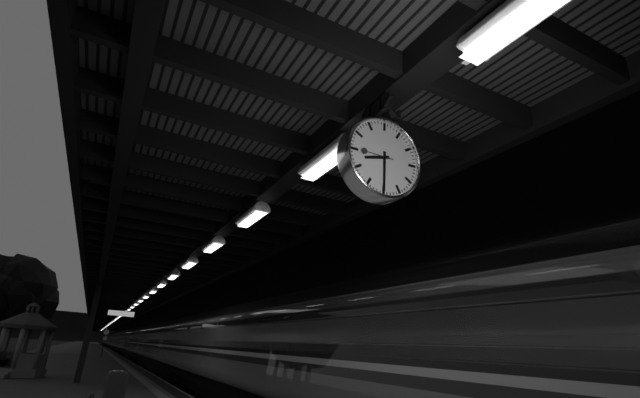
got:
8:30
